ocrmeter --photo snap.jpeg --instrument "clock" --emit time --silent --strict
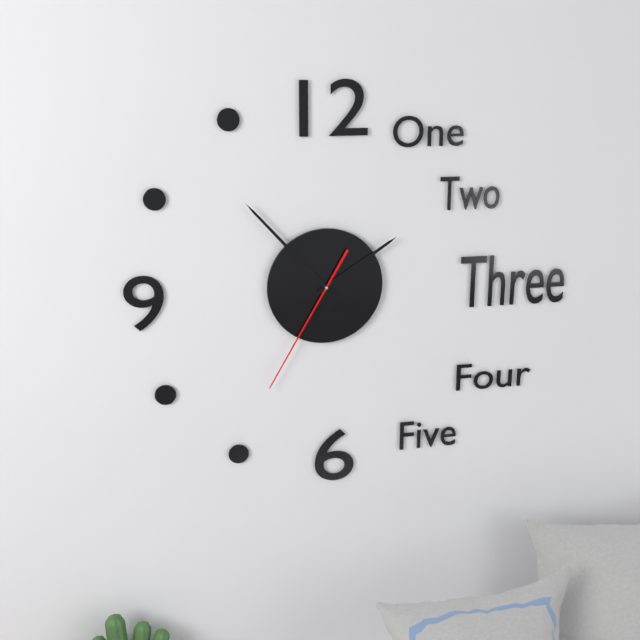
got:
1:53:35
